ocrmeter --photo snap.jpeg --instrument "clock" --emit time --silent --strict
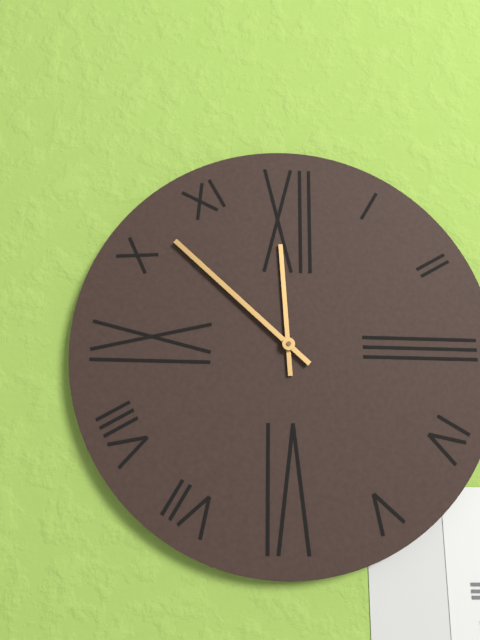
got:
11:52
